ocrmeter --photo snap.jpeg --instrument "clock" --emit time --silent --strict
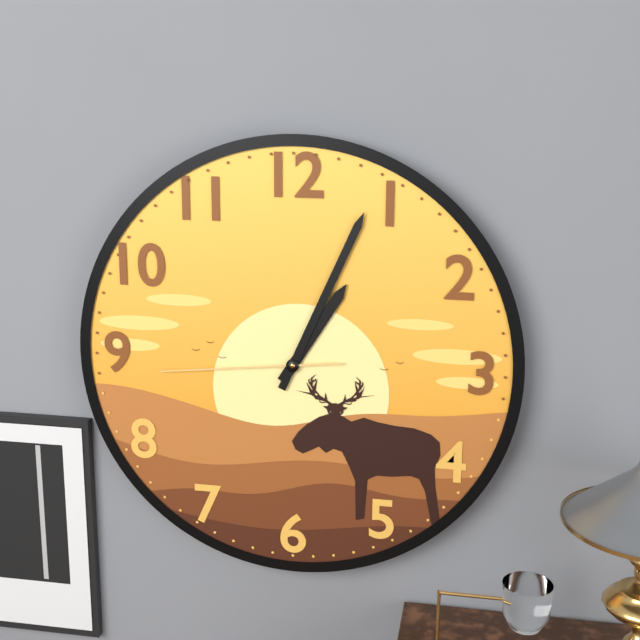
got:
1:04:44
